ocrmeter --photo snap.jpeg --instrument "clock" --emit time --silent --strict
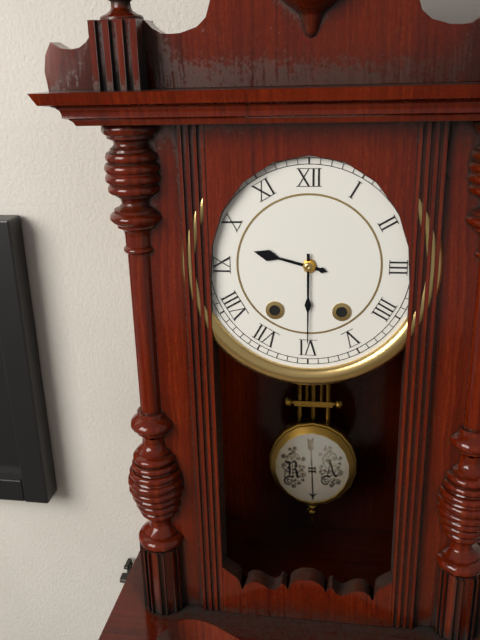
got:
9:30
